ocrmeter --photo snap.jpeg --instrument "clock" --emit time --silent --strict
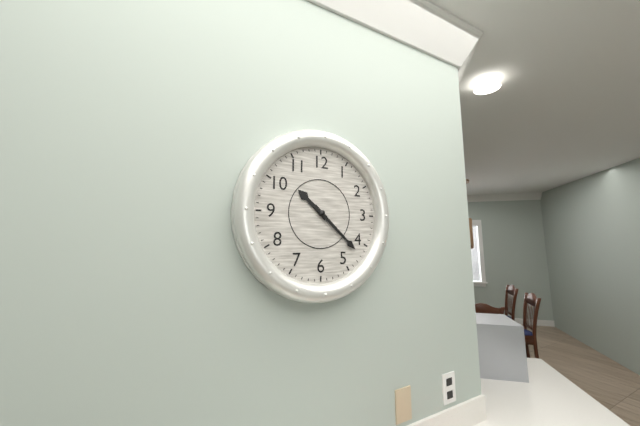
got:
10:22
